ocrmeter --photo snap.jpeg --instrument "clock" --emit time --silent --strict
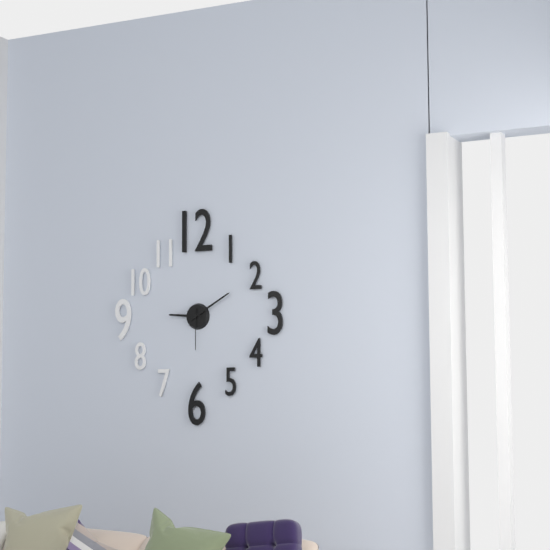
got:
9:10
